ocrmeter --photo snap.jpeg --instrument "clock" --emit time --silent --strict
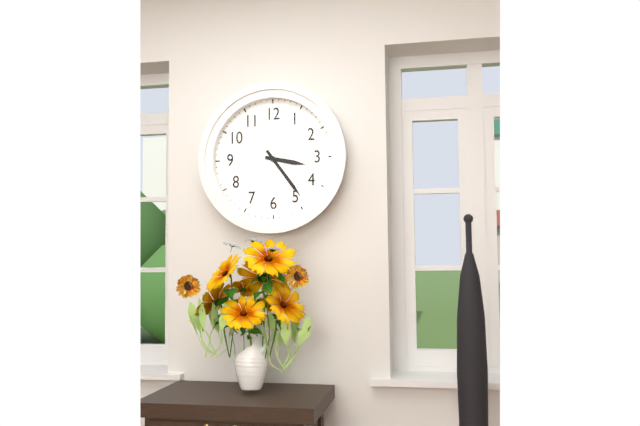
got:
3:24
